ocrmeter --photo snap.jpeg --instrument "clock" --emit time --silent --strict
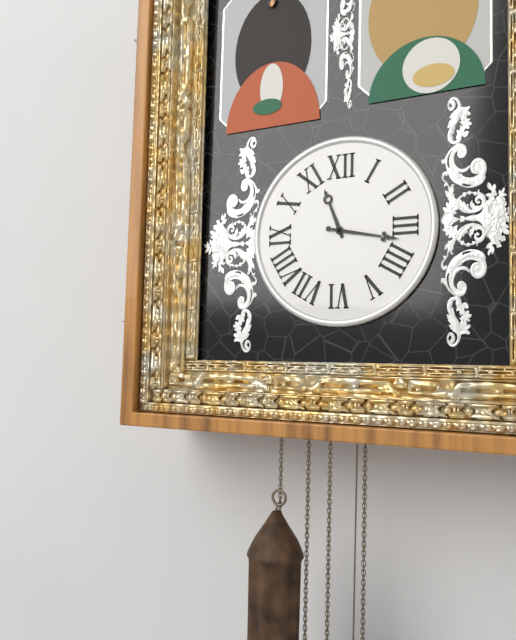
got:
11:17
